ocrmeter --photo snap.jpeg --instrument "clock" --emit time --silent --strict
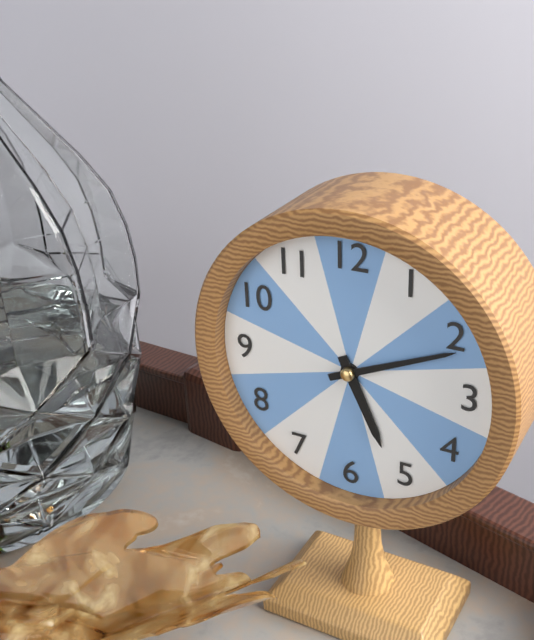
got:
5:11
